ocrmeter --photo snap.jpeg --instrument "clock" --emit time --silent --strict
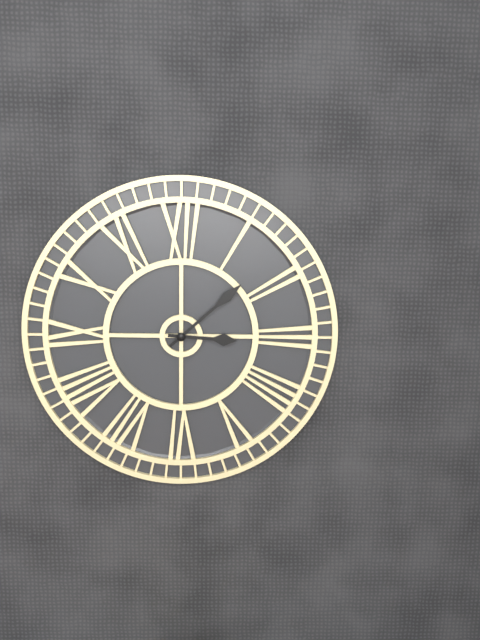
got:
3:08
